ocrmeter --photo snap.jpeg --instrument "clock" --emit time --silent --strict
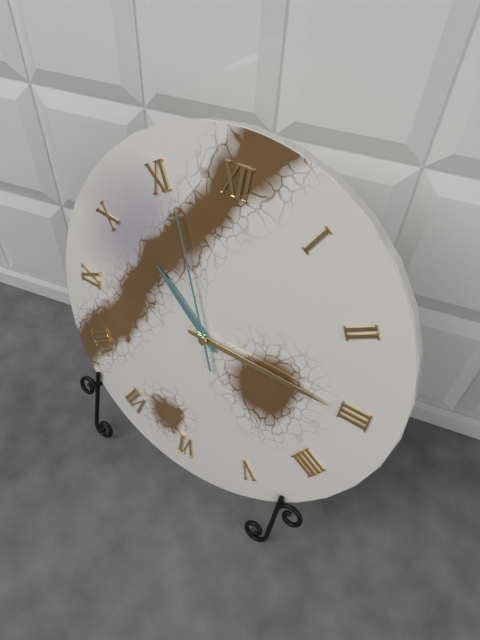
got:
10:15:56
